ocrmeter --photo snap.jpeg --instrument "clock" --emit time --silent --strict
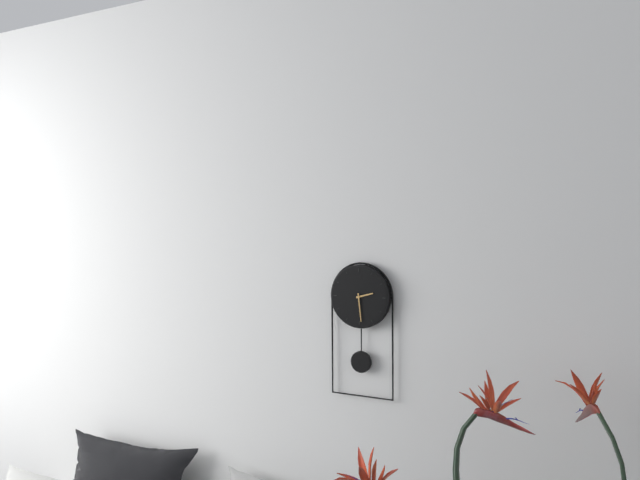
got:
2:29
